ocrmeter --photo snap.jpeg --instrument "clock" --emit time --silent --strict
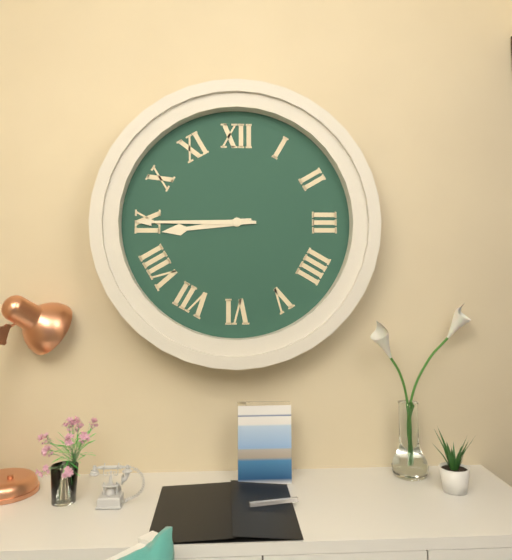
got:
8:45
